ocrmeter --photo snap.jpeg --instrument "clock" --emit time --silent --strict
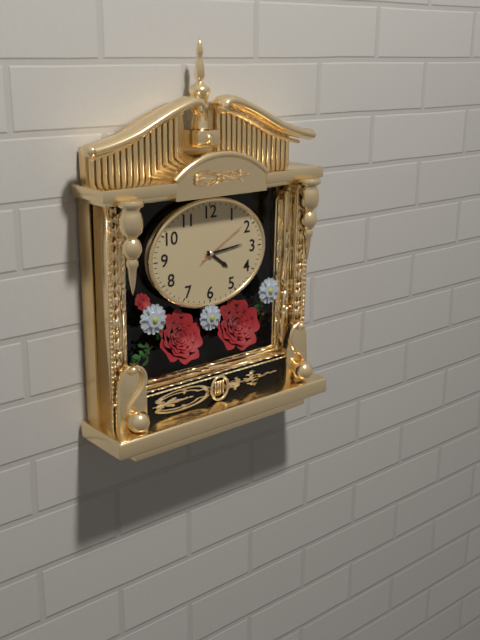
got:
4:14:10
